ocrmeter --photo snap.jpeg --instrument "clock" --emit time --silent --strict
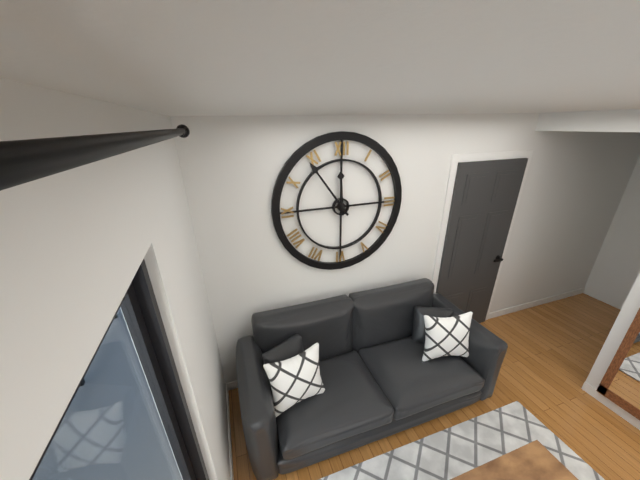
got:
11:54
